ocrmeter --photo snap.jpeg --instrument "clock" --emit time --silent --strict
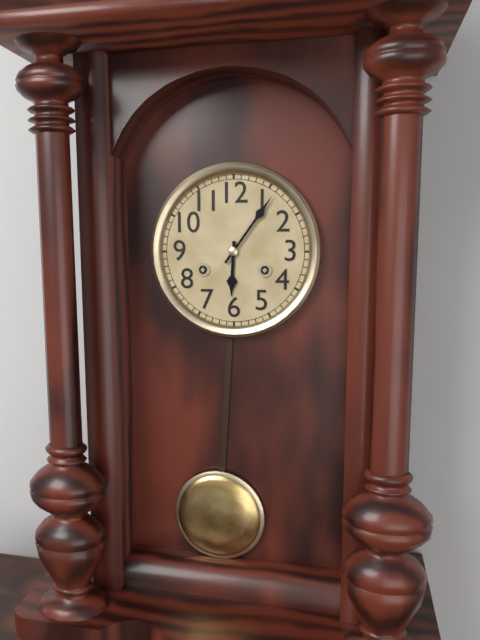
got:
6:06
